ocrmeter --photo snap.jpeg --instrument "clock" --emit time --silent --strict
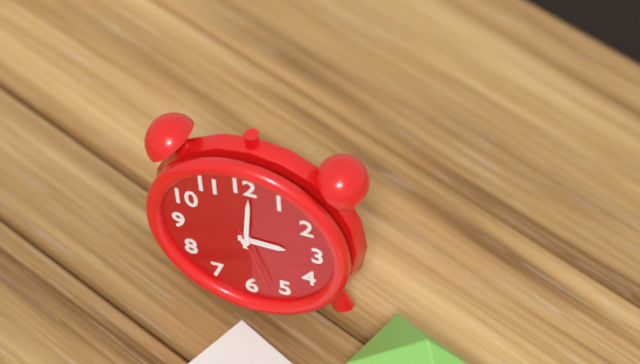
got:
3:01:27
